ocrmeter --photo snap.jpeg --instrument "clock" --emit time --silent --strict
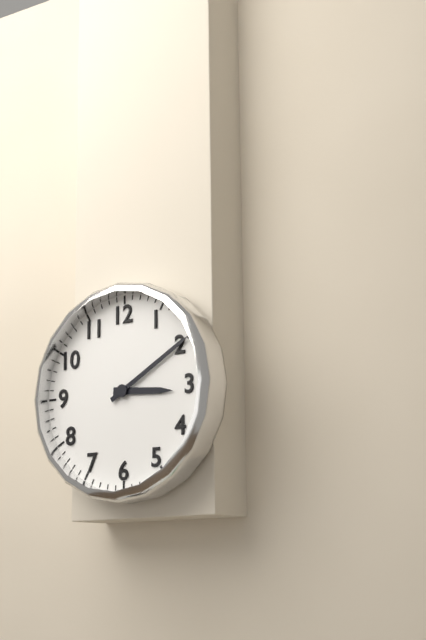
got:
3:10
